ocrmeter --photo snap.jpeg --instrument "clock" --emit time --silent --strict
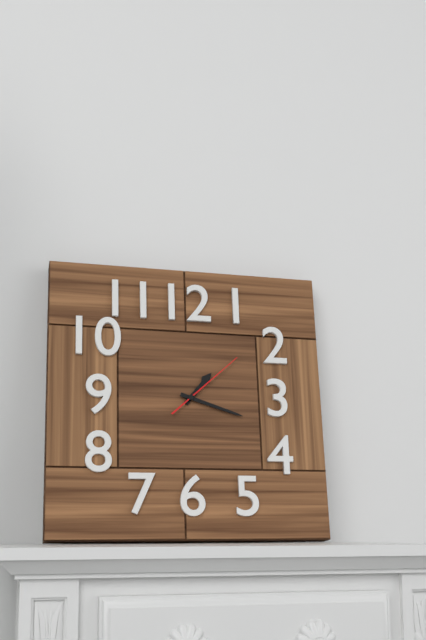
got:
1:18:08
